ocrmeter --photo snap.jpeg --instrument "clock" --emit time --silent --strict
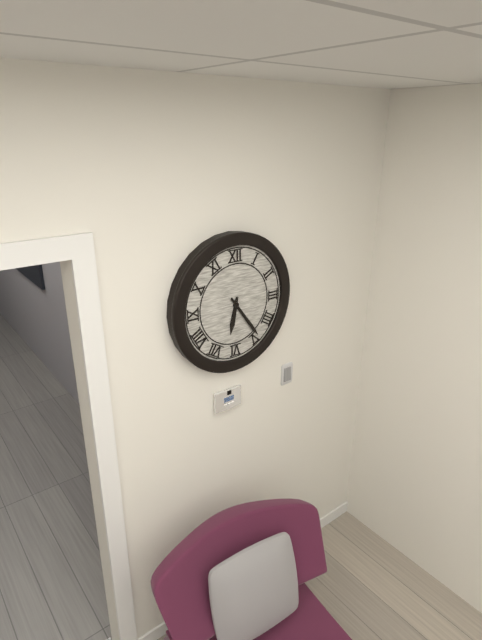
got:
6:24
